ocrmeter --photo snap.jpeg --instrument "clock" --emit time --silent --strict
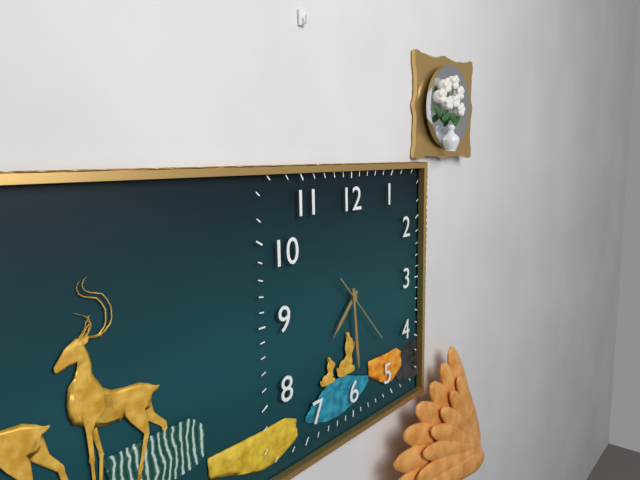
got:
7:29:23
